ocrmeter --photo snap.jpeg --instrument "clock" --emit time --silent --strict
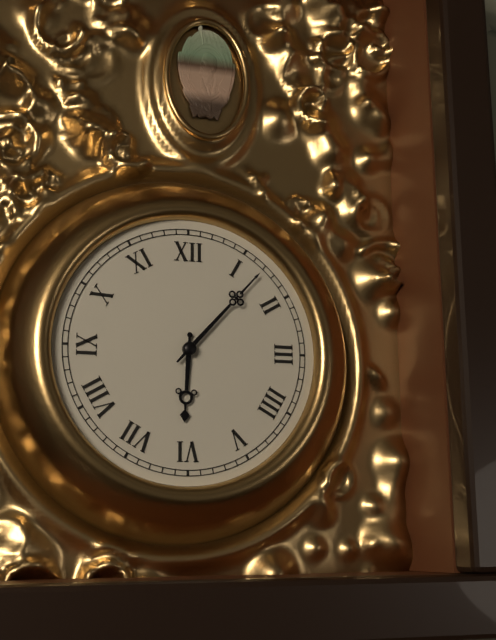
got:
6:07
